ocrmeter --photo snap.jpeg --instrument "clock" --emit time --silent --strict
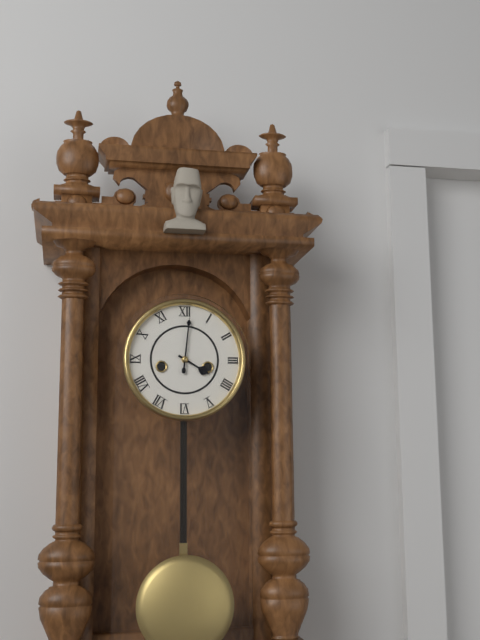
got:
4:01
